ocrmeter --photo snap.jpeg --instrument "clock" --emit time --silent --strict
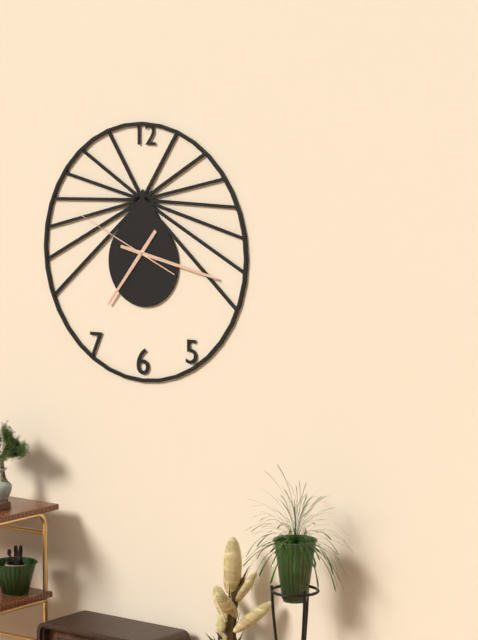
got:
7:17:49
